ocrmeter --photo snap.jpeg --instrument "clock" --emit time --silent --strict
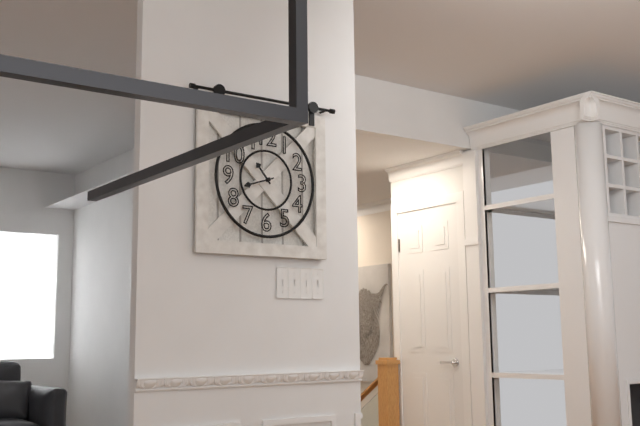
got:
10:42
